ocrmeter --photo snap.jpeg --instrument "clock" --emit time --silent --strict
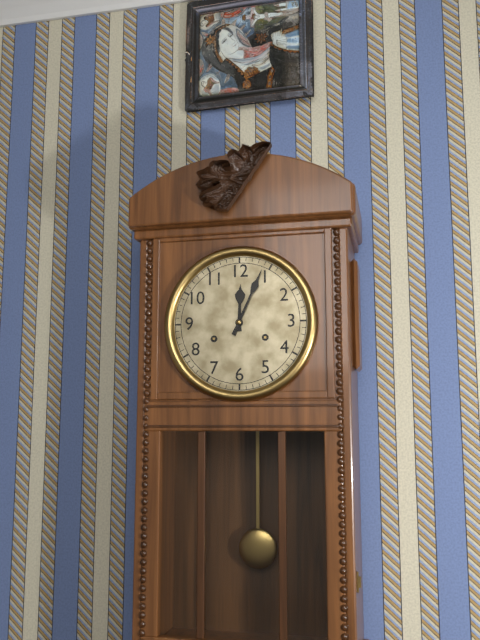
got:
12:04
